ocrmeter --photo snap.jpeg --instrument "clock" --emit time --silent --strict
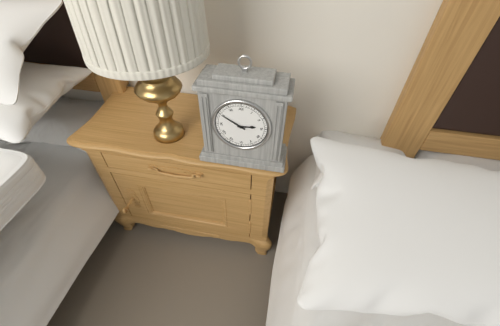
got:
2:50
